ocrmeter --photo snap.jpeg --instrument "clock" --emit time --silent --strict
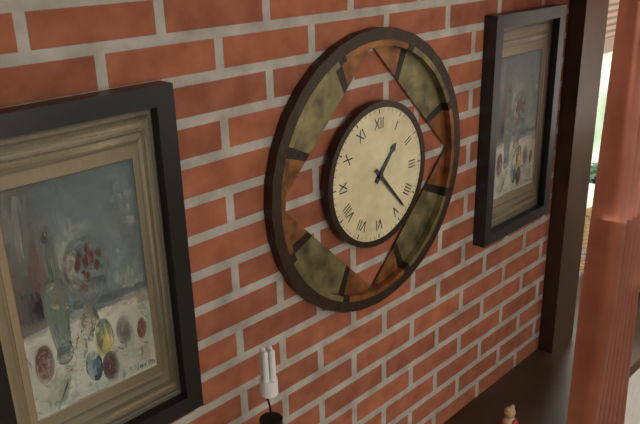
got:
1:23
